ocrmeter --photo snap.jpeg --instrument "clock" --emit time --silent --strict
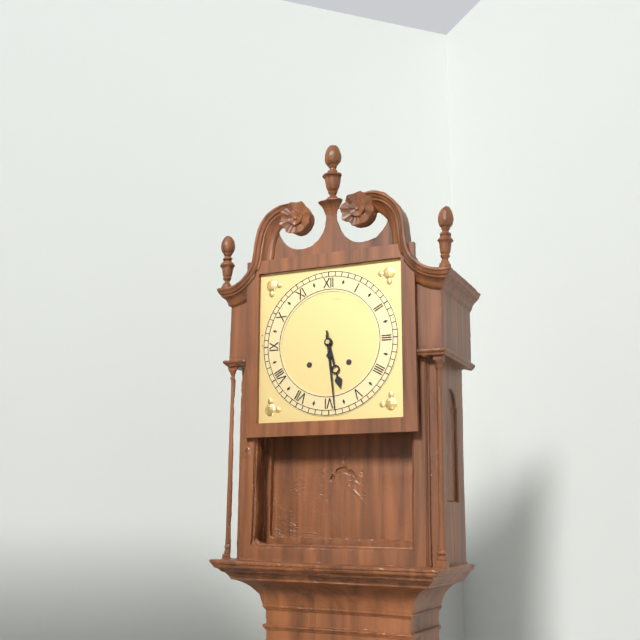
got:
5:29
